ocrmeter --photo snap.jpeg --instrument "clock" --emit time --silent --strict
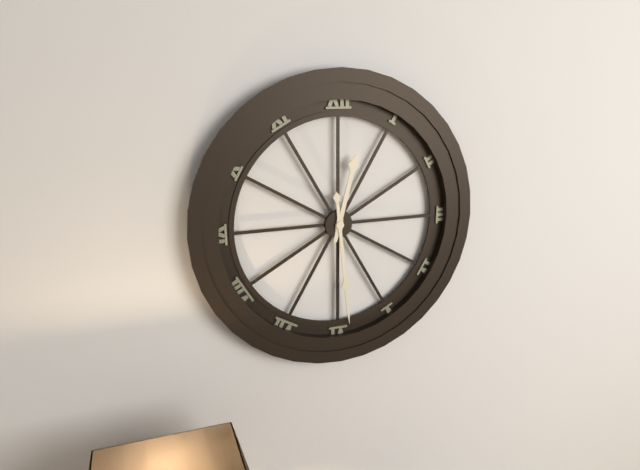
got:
12:29
